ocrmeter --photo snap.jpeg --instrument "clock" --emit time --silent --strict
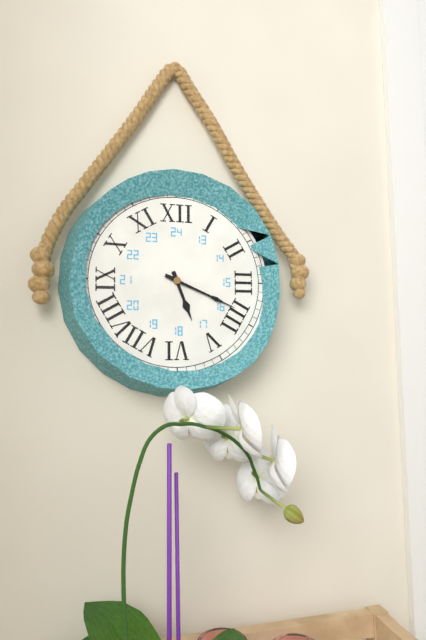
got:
5:19
